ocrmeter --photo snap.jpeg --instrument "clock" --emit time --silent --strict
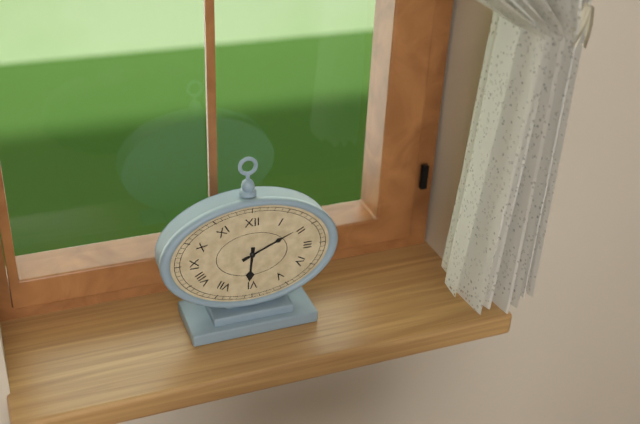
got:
6:11
